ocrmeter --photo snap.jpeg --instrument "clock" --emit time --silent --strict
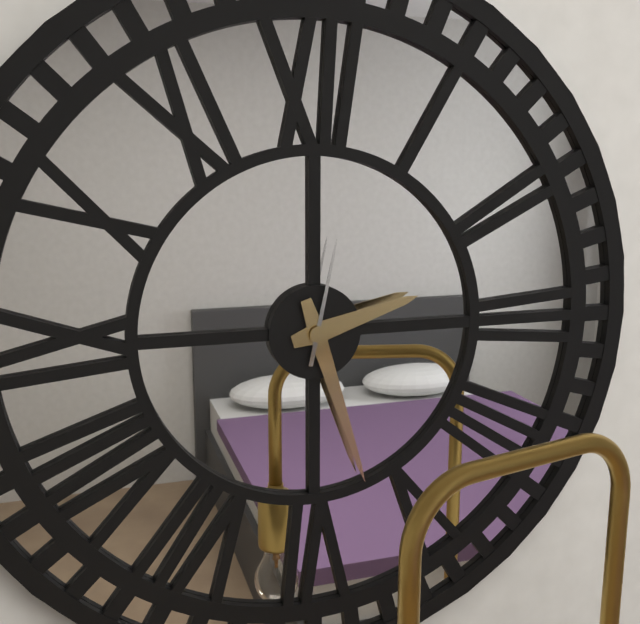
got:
2:27:02
